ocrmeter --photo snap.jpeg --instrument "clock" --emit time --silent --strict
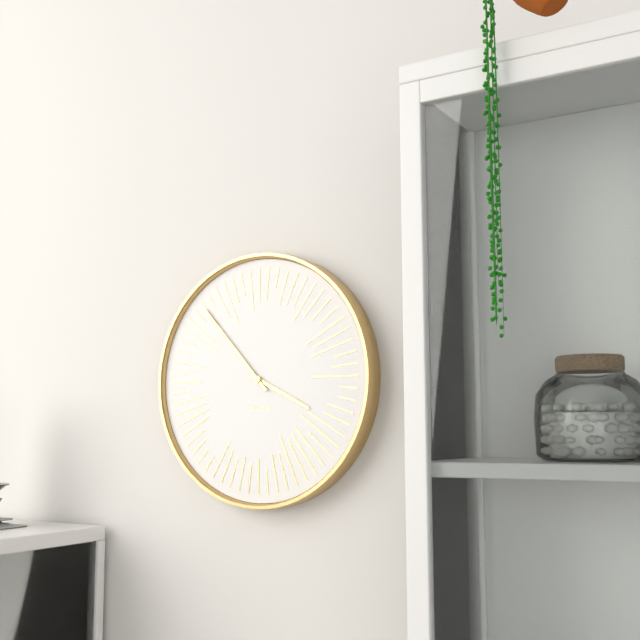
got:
3:53
